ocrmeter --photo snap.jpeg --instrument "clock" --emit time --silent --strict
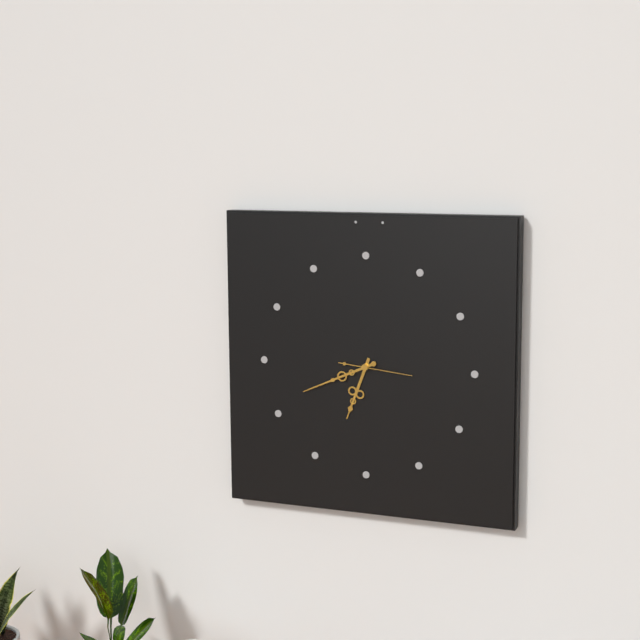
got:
6:41:16
